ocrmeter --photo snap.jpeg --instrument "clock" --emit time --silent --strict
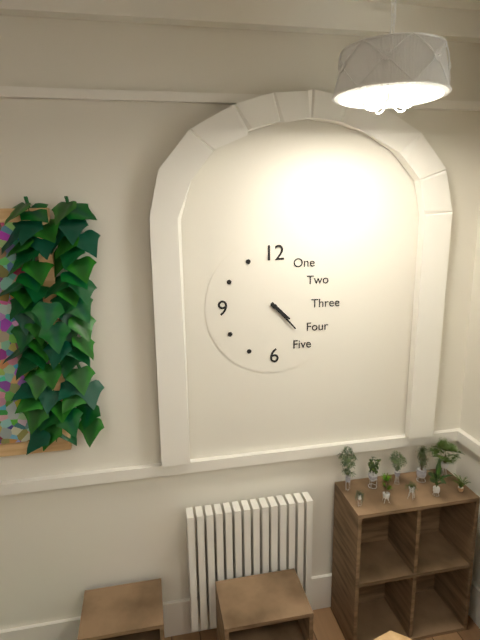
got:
4:23
